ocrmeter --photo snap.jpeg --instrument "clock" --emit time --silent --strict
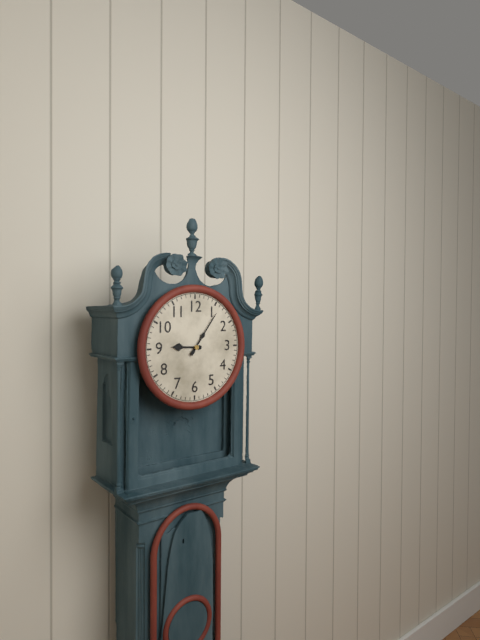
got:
9:06
